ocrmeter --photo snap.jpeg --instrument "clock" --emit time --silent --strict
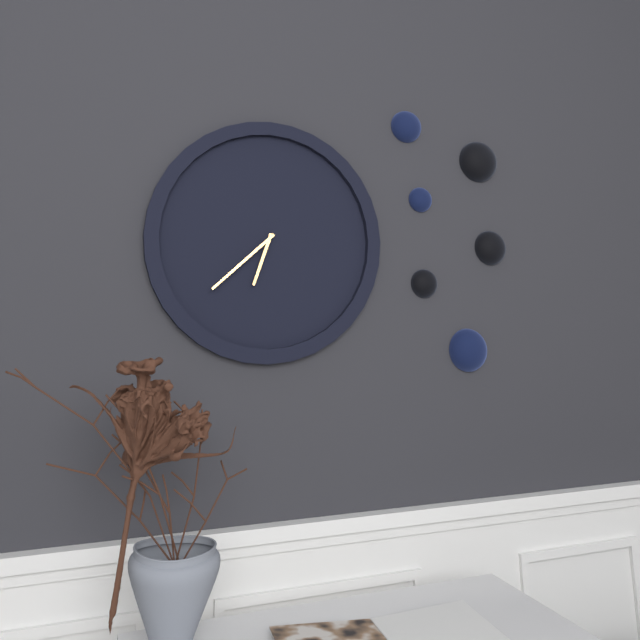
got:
6:38
